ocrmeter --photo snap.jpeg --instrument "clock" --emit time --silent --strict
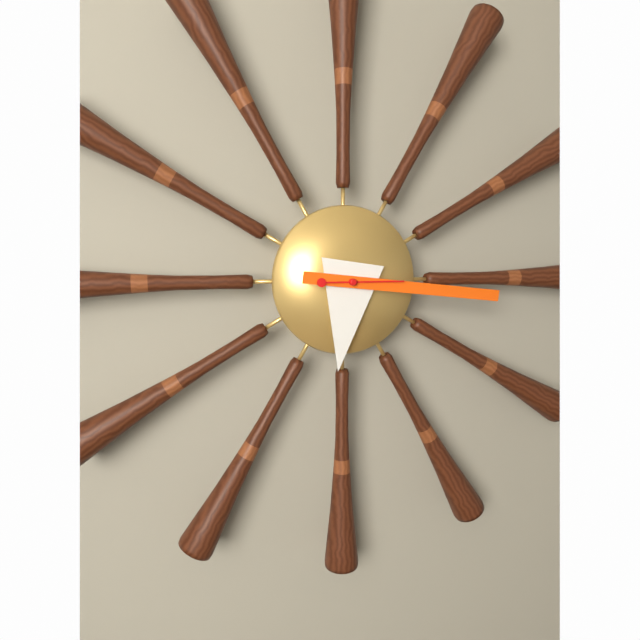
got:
6:16:15
